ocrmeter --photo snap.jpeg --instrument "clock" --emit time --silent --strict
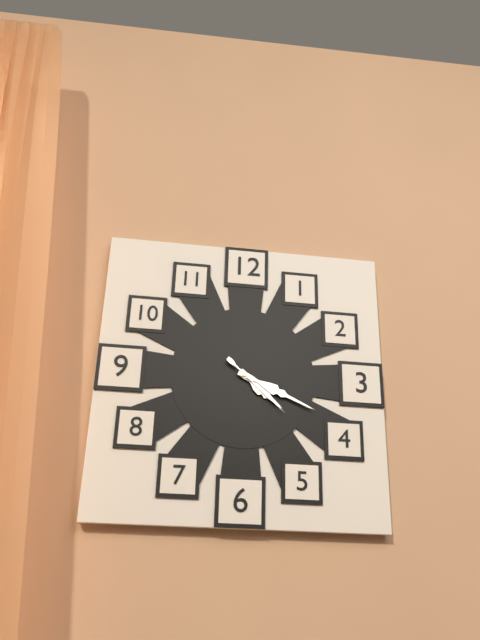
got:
4:19:22
